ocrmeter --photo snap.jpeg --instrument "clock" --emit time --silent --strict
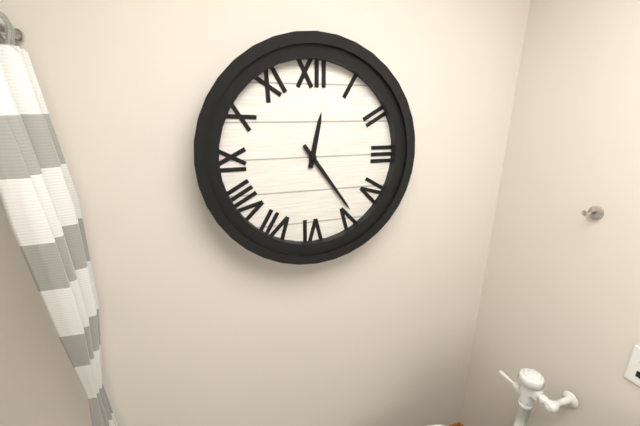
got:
12:24
